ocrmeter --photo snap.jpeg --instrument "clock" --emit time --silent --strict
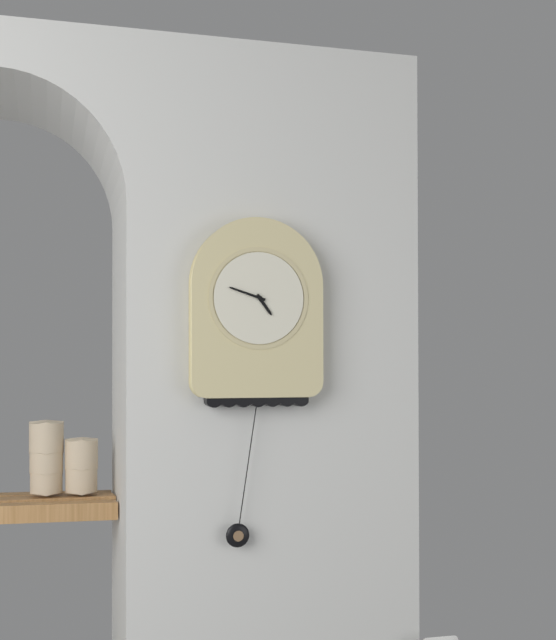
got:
4:48
